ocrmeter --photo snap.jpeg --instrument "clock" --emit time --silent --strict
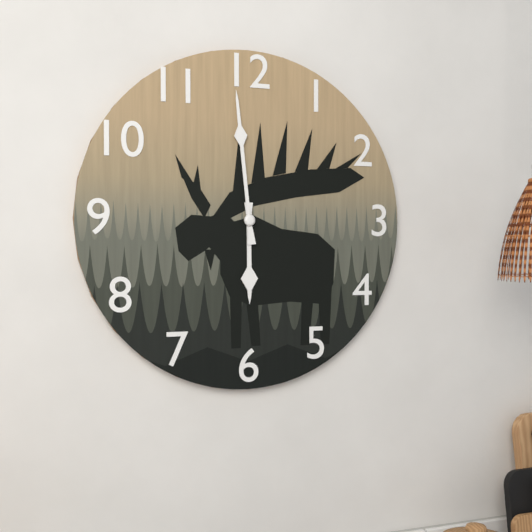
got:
5:59
